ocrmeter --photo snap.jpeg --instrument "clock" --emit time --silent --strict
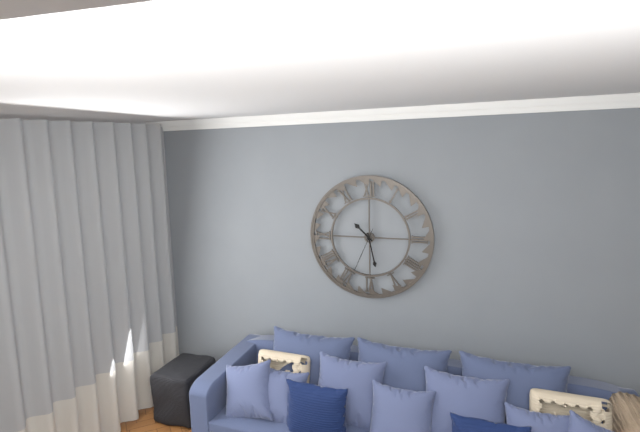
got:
10:28
